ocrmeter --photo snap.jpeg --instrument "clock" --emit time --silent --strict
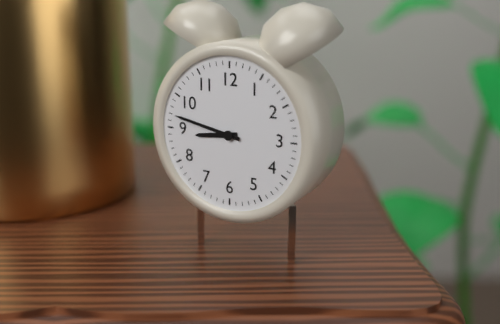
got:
8:47
